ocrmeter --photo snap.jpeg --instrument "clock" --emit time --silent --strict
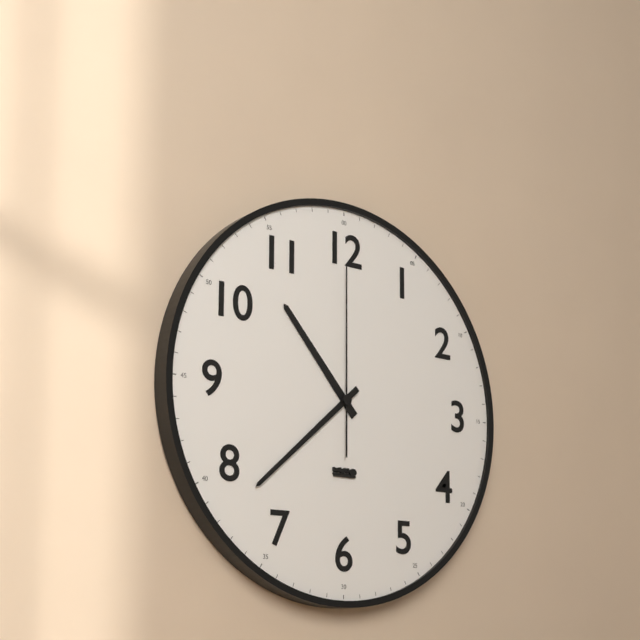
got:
10:38:00
